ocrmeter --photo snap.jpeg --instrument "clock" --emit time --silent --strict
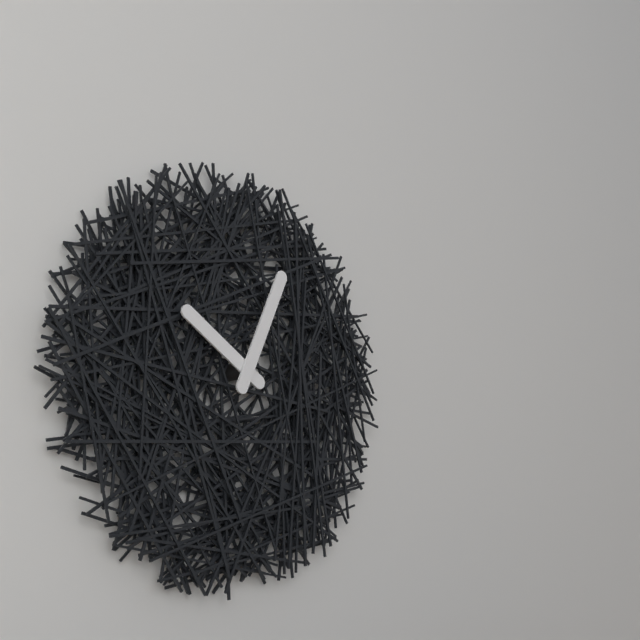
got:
10:04
